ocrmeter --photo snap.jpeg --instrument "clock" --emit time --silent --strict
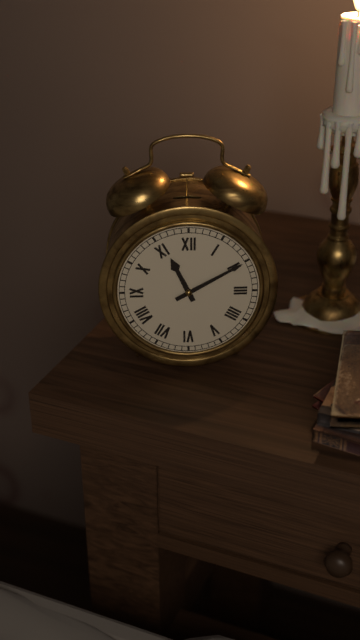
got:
11:10
